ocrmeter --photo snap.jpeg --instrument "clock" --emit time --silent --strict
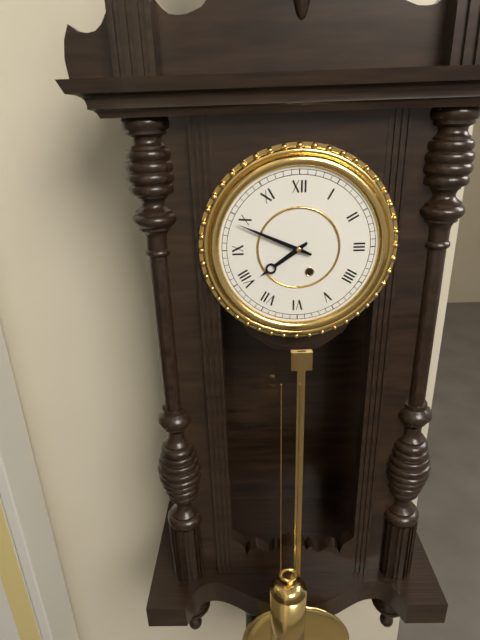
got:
7:49
